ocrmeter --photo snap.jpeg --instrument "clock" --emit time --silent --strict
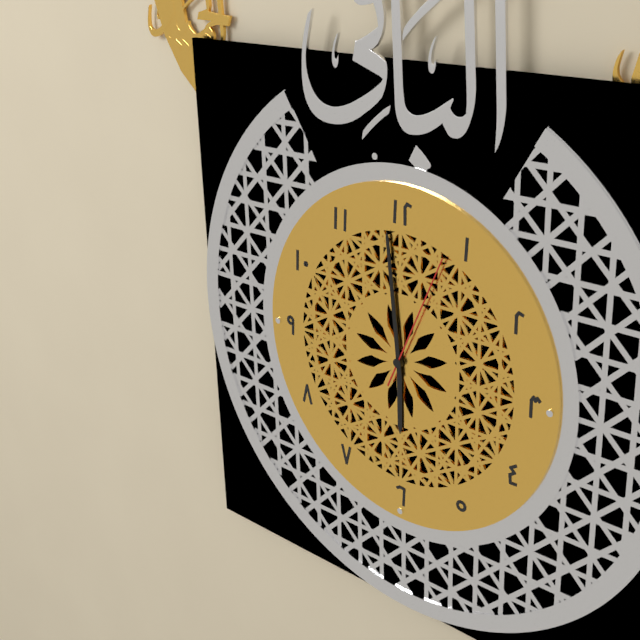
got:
5:59:04
